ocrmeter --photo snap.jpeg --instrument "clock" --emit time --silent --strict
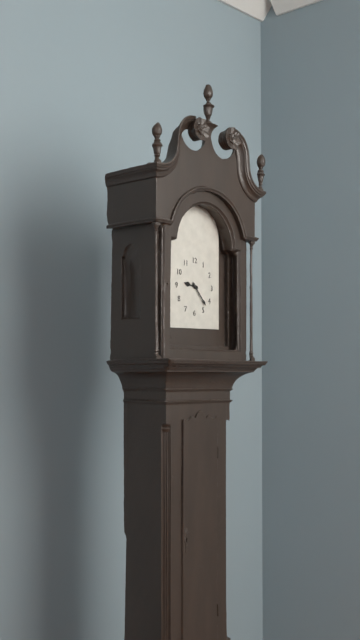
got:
9:23
